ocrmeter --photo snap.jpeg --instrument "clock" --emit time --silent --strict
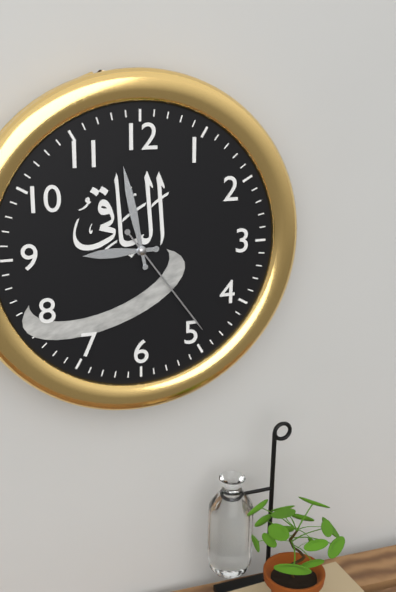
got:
8:58:24
